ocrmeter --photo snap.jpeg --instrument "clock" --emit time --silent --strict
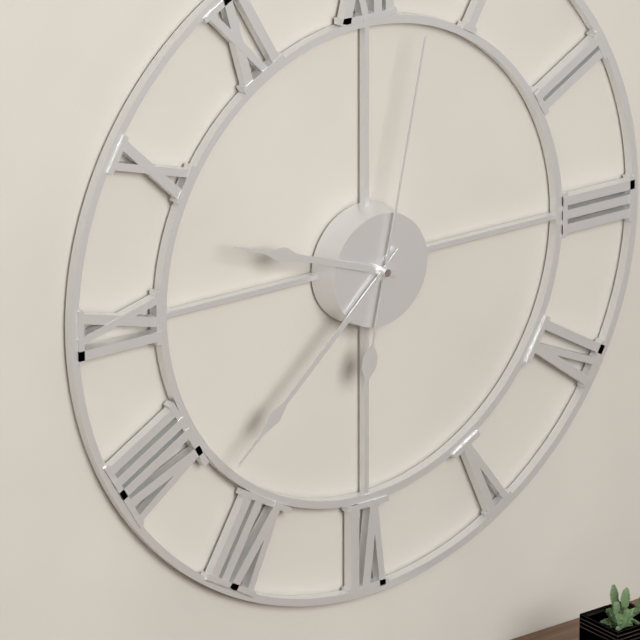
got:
9:38:02
